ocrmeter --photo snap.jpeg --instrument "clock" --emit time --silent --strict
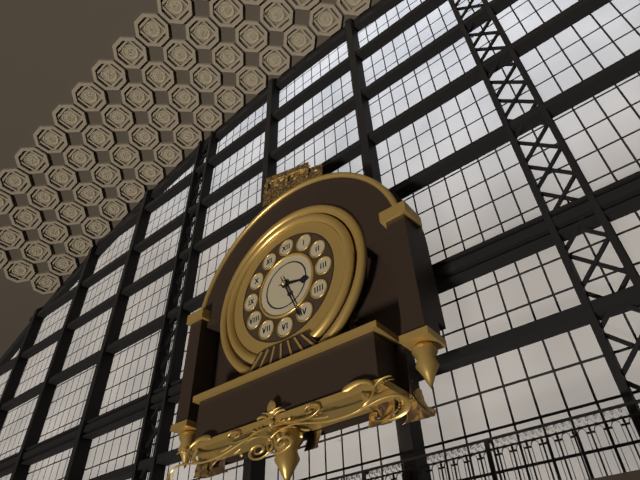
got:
3:26
